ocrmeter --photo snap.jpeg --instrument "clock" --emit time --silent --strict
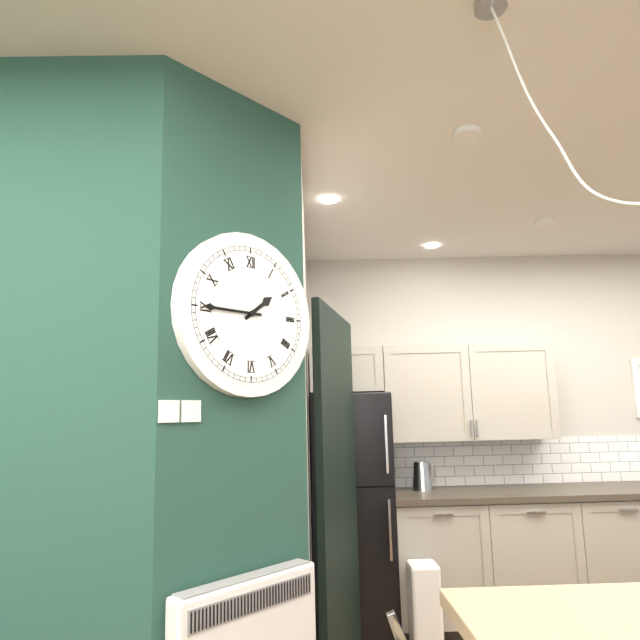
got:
1:45
